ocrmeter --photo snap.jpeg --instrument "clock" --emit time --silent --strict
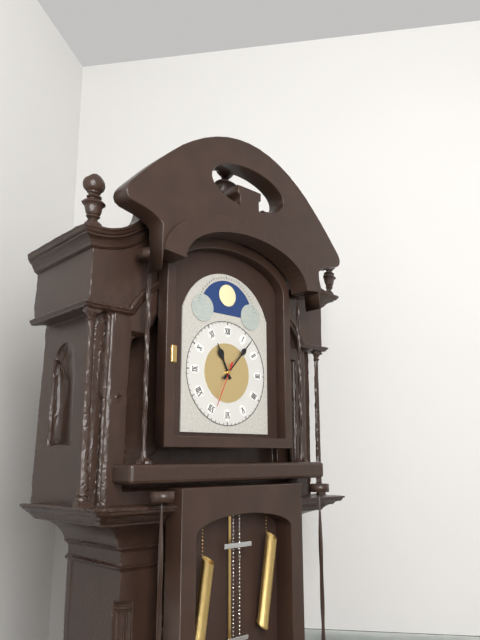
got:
11:07
